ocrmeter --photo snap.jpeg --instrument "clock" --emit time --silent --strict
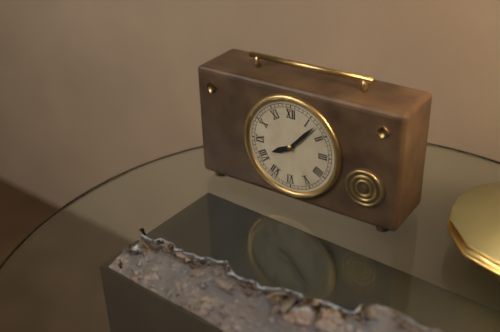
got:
8:07
